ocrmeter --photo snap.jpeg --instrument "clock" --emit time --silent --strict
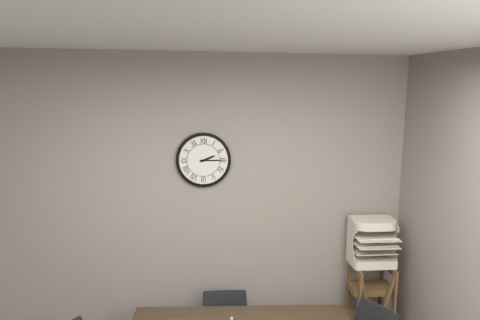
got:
2:15
